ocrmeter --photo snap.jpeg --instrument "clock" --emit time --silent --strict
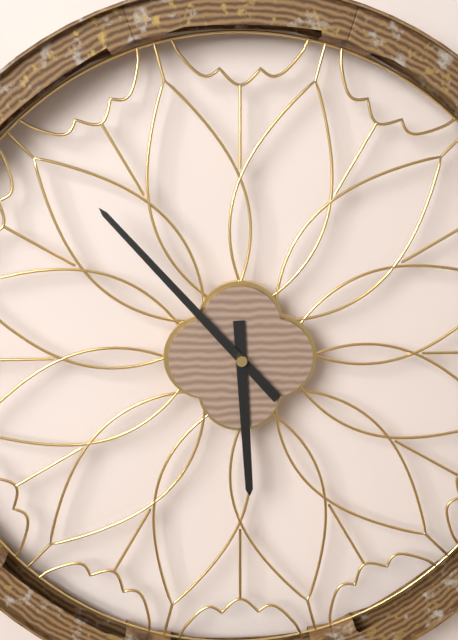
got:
5:53
